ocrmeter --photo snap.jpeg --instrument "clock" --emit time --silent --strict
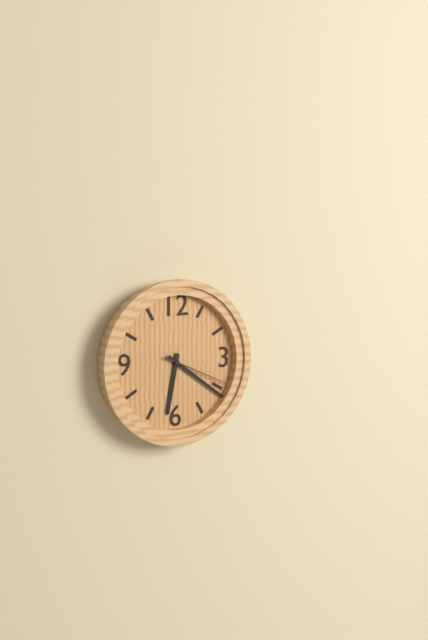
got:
6:21:19
